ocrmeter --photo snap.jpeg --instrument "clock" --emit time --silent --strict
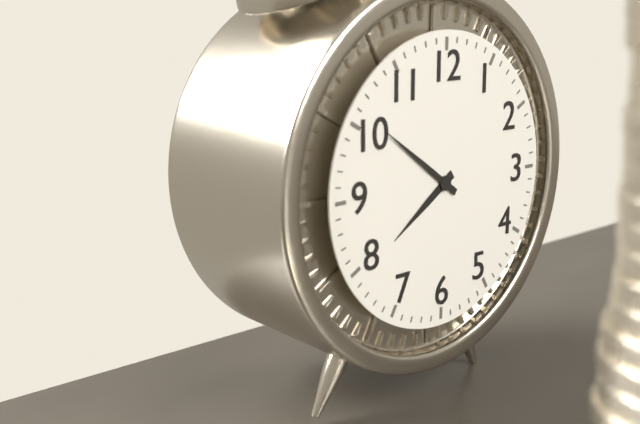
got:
7:51
